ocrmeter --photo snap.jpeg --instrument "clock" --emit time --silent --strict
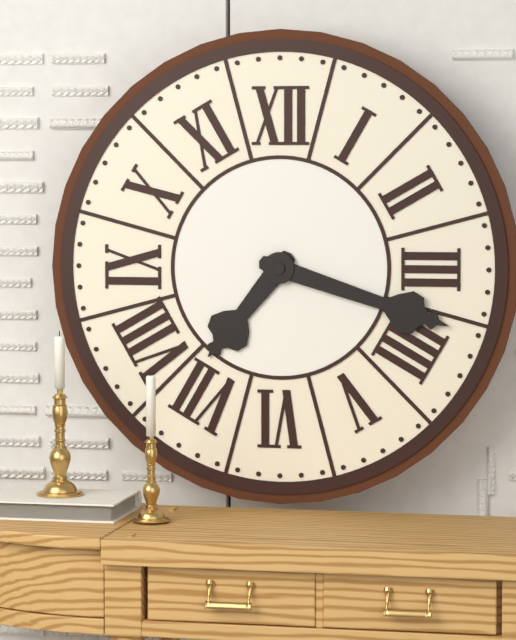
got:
7:18
